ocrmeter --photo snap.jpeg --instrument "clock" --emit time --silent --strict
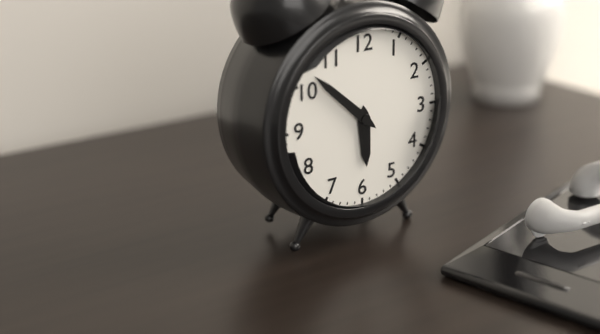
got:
5:52
